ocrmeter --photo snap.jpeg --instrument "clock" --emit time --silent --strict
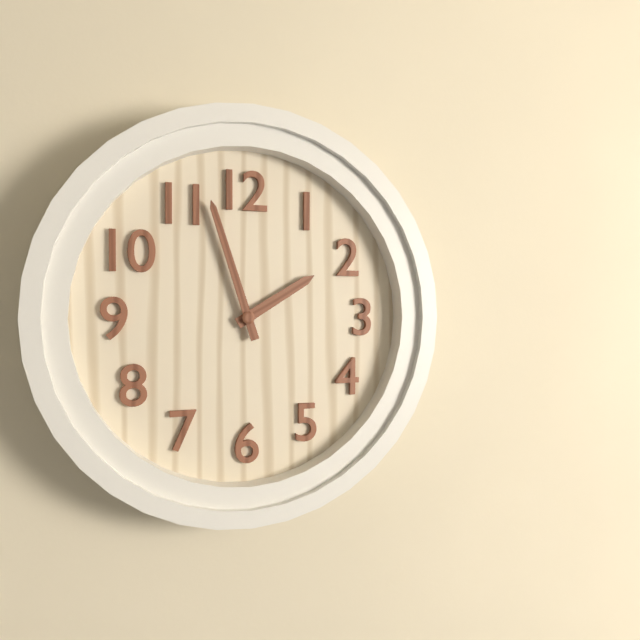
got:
1:57
